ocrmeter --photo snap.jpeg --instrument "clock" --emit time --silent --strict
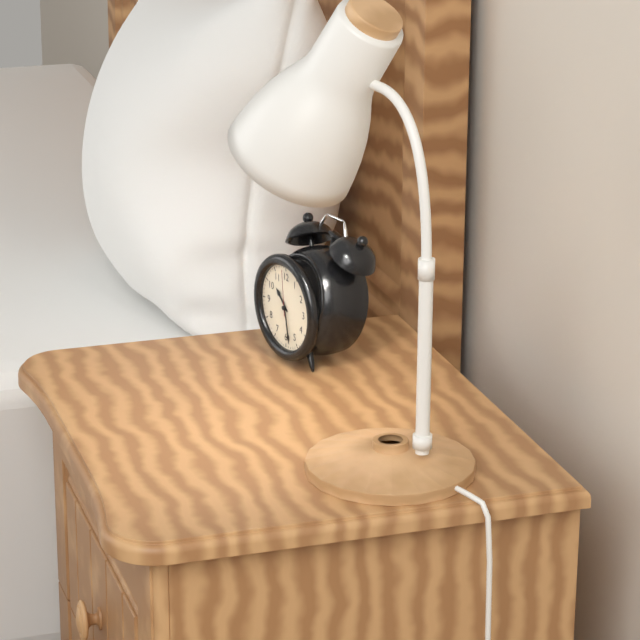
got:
10:28
